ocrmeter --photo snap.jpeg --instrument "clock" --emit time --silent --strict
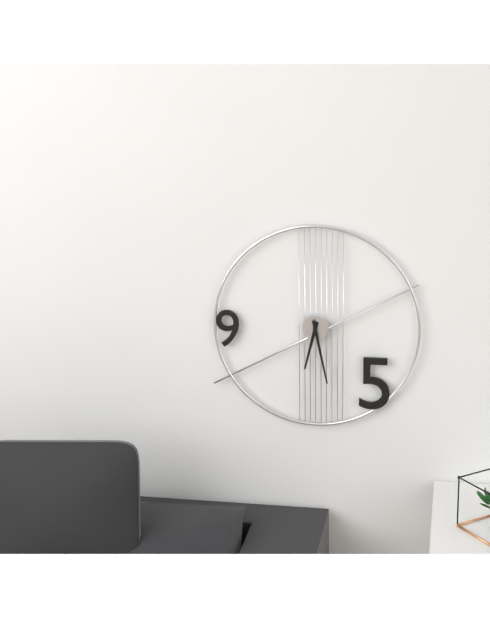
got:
6:28
